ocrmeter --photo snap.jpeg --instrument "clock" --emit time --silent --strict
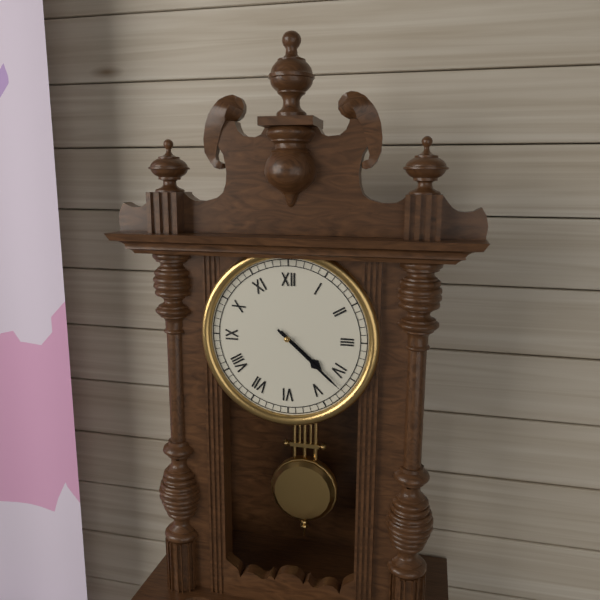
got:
4:22
